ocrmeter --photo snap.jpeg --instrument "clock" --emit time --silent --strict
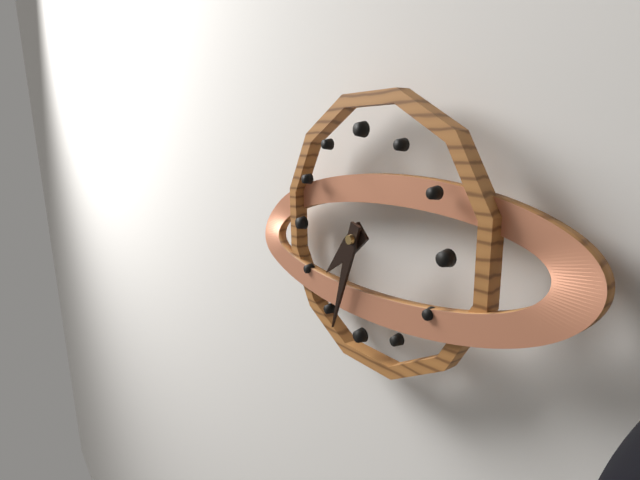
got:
7:33
